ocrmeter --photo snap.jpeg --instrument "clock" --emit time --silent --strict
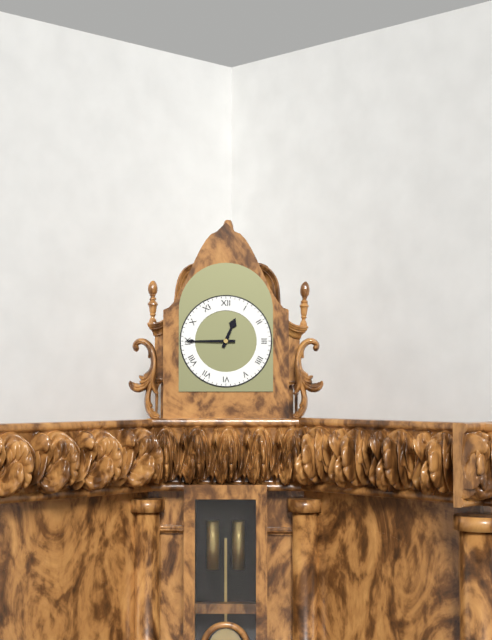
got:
12:45
